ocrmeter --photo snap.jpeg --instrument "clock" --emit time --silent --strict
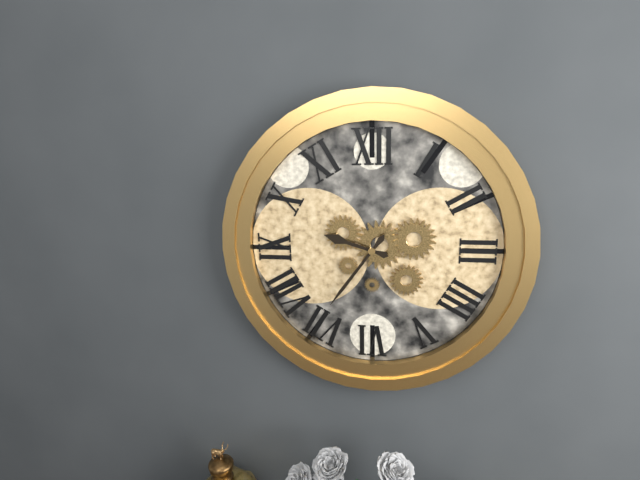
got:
9:36
